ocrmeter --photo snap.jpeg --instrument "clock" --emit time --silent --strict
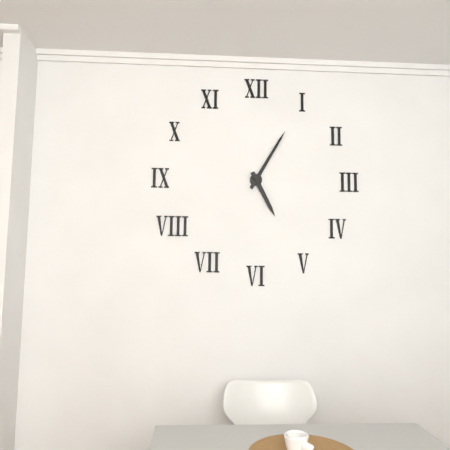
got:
5:05
